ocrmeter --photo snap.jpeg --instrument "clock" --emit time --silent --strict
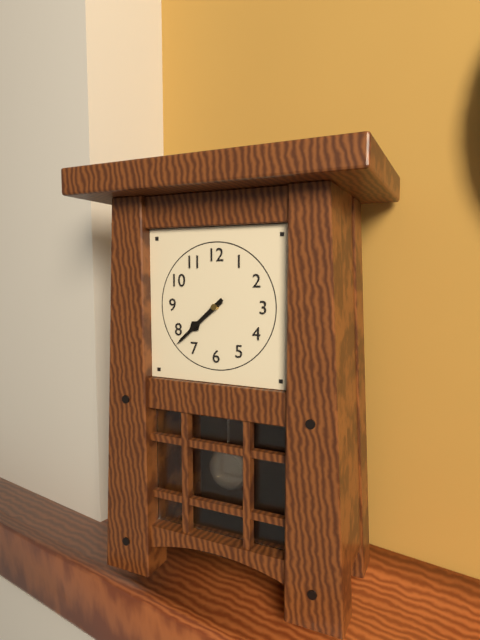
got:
7:38
